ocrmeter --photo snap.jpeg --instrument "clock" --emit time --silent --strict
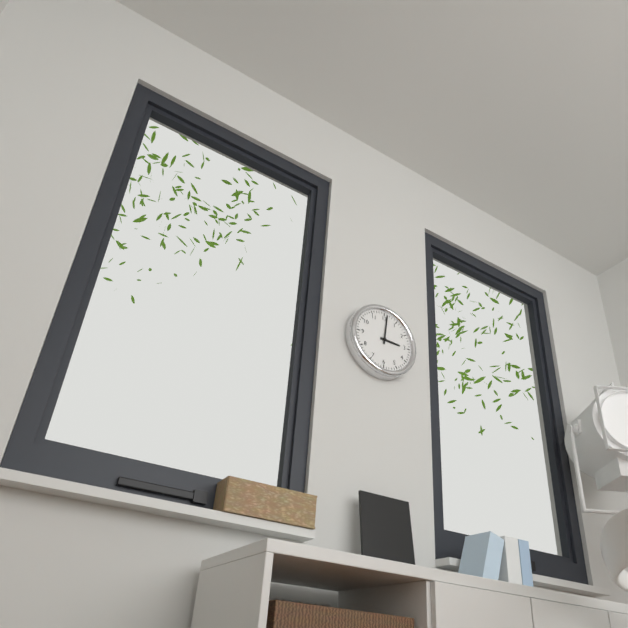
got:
3:01
